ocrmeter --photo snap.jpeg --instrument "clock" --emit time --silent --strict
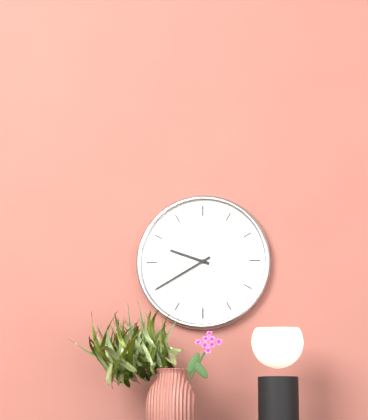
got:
9:40
